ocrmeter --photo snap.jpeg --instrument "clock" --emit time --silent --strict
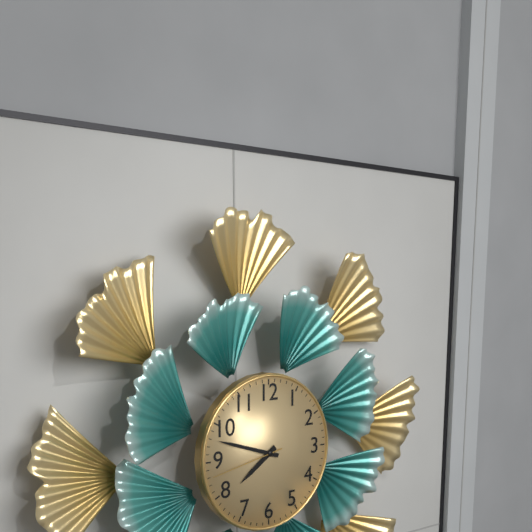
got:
7:48:43
